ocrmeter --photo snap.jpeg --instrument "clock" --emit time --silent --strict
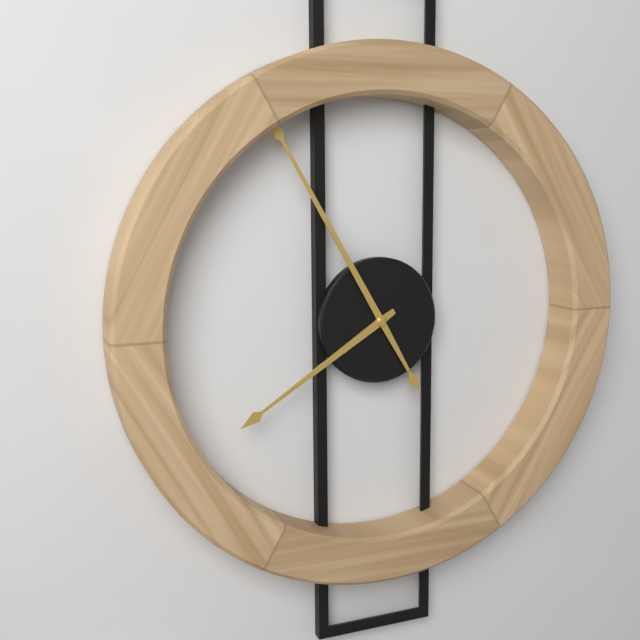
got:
7:55
